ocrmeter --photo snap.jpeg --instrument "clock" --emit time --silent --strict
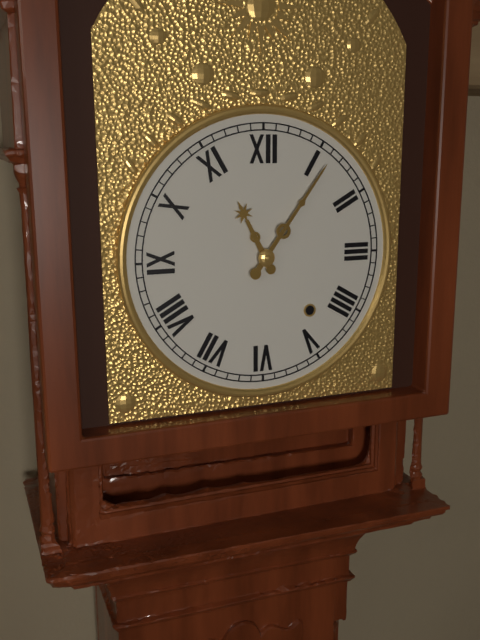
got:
11:06
